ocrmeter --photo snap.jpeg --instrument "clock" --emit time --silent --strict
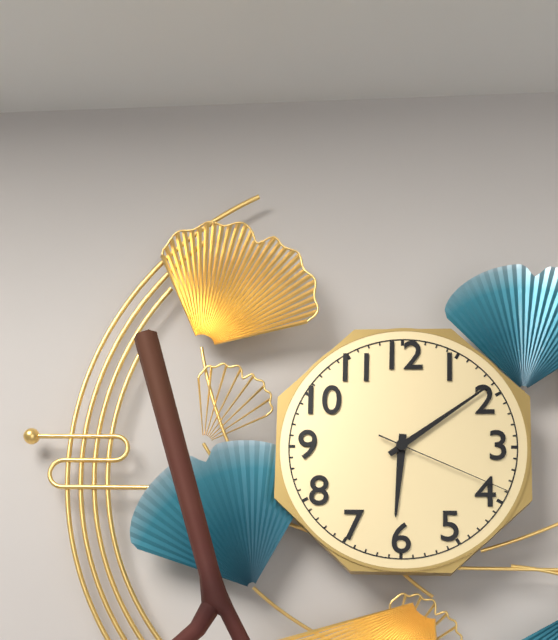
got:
6:09:19
